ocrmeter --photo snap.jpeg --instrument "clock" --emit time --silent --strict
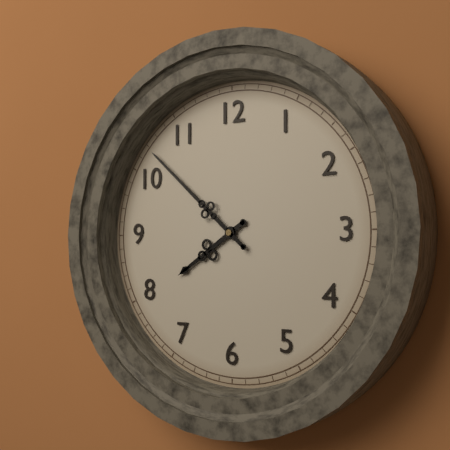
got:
7:52
